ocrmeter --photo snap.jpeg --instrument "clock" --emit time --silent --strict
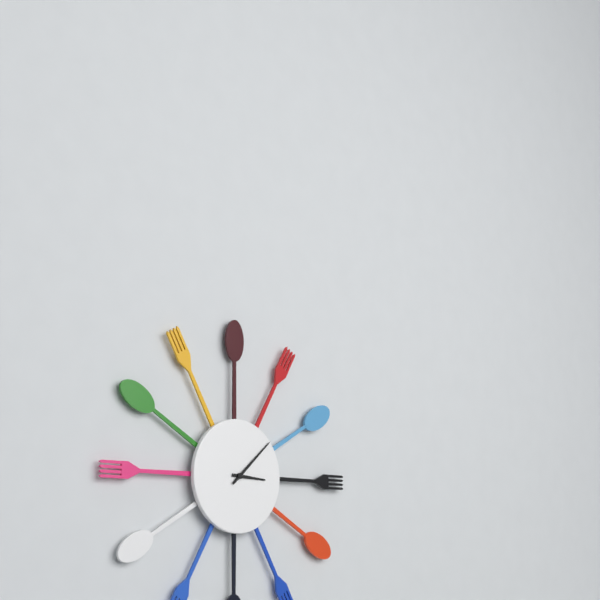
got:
3:08
